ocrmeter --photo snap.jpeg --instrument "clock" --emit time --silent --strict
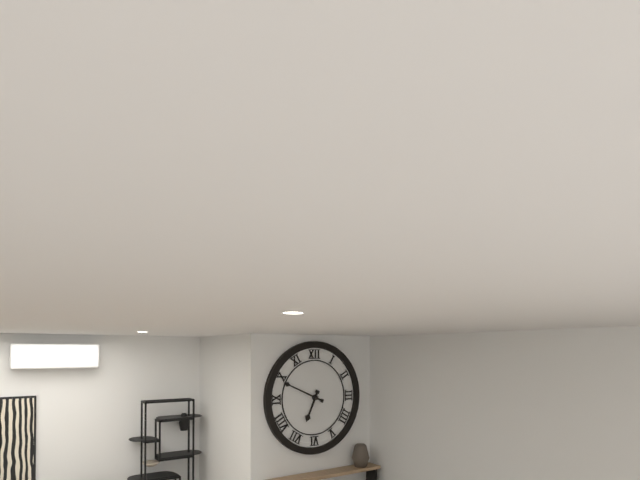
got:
6:49
